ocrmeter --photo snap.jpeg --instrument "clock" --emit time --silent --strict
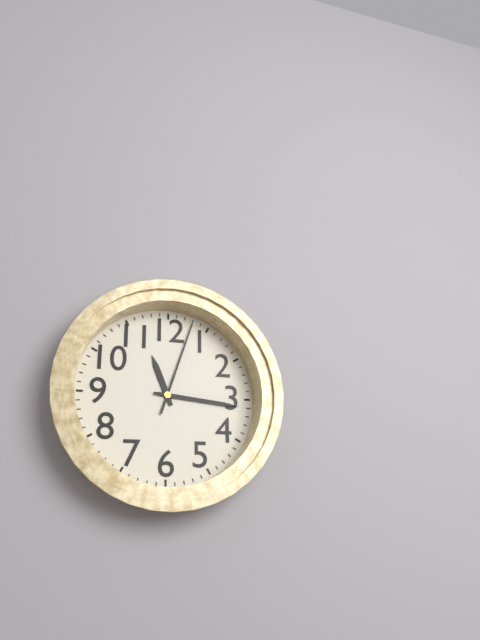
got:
11:16:03
